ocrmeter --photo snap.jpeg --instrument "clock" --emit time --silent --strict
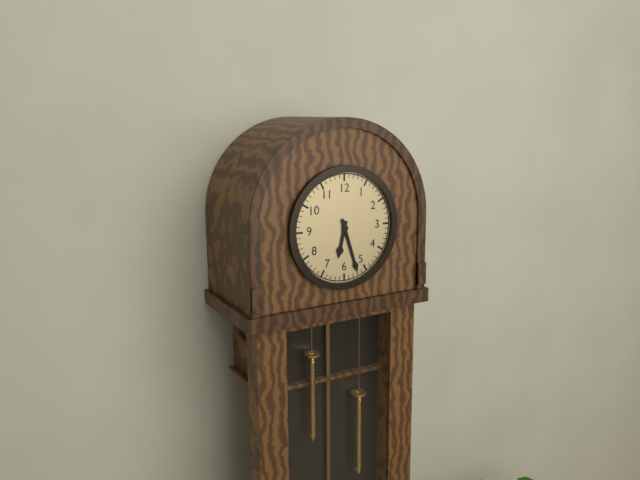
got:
6:27
